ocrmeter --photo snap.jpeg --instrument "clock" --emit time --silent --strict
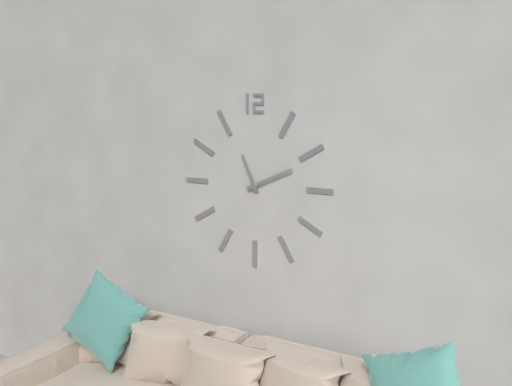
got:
11:11
